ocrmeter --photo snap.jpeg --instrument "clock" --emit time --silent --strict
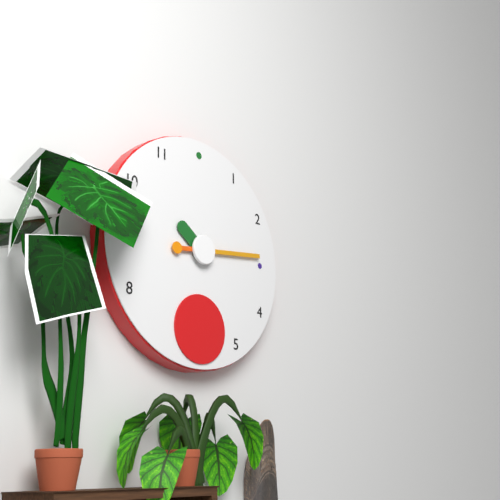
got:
10:14
